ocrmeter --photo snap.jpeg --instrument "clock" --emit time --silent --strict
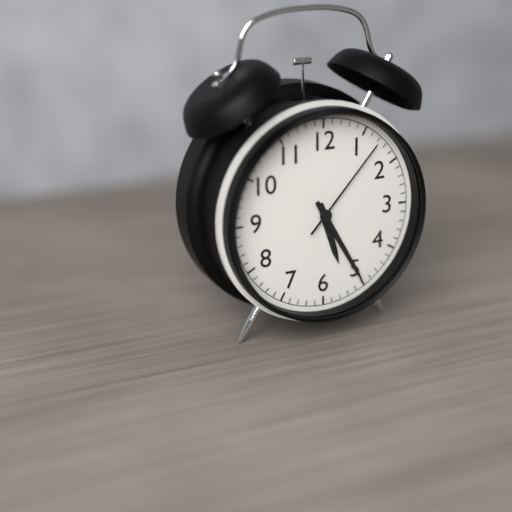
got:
5:25:07
